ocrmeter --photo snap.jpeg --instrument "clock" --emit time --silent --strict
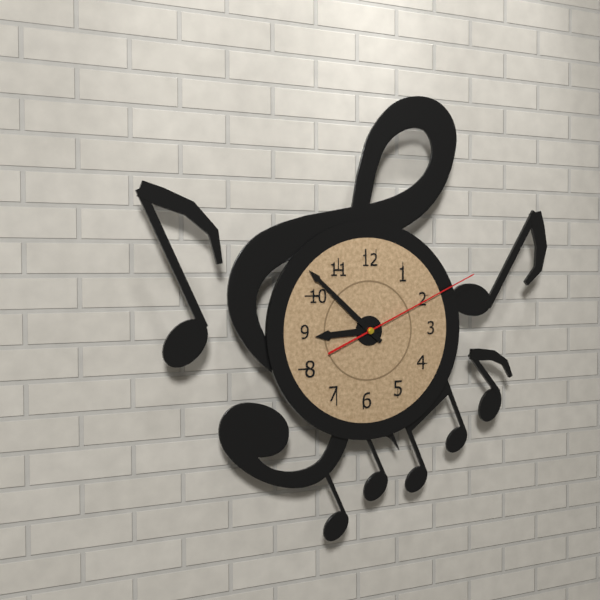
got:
8:52:11
